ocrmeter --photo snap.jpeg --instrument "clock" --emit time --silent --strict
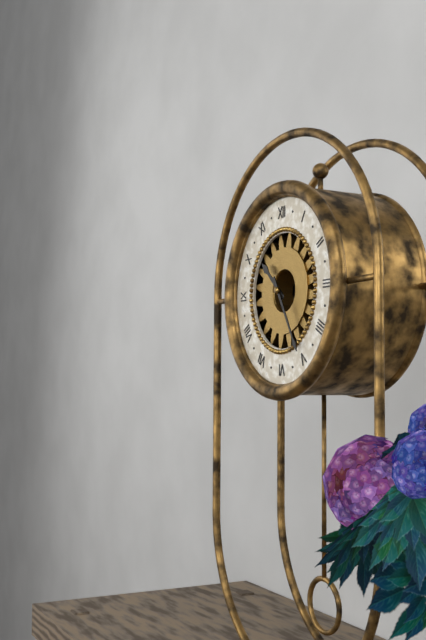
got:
10:25
